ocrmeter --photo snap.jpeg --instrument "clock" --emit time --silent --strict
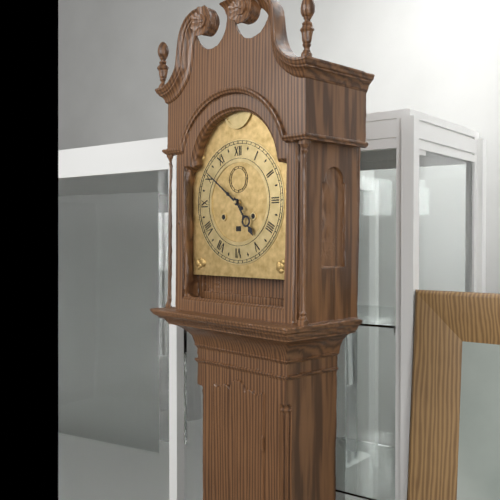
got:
4:51
